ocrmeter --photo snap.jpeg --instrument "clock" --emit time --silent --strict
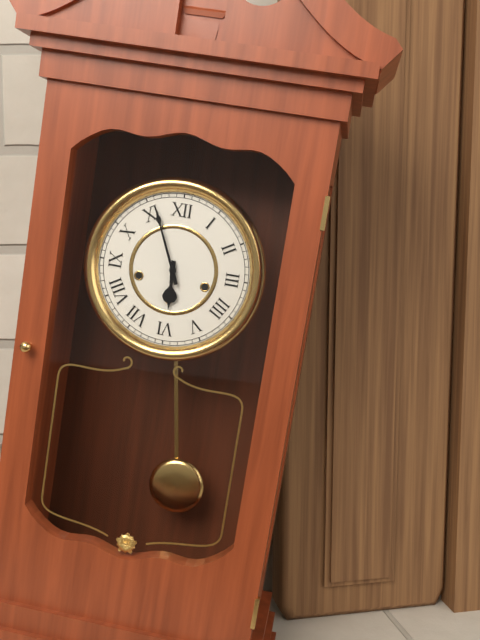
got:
5:56
